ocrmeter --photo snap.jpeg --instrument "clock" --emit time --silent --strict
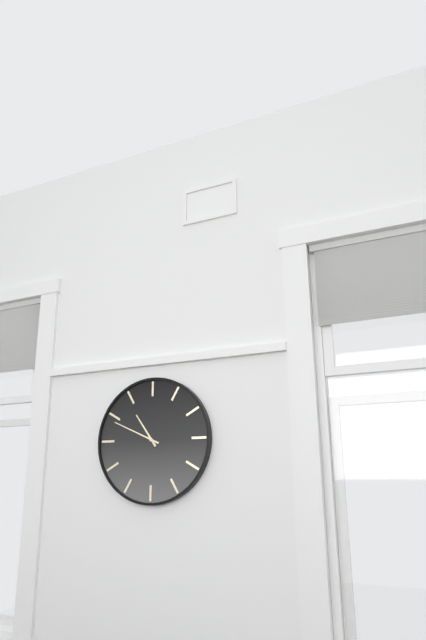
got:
10:49
